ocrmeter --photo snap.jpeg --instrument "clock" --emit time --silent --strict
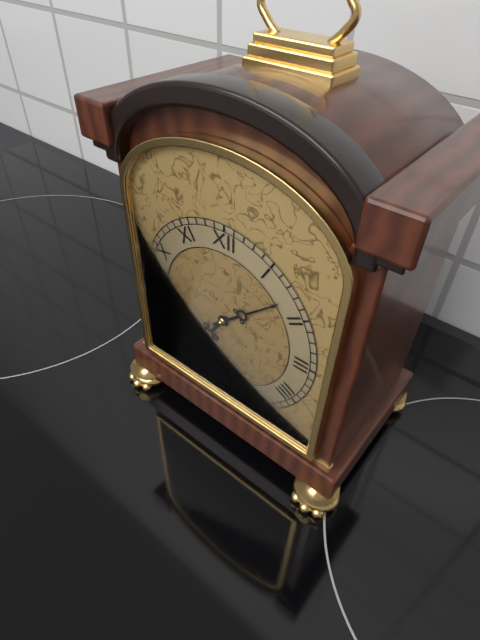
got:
7:08
